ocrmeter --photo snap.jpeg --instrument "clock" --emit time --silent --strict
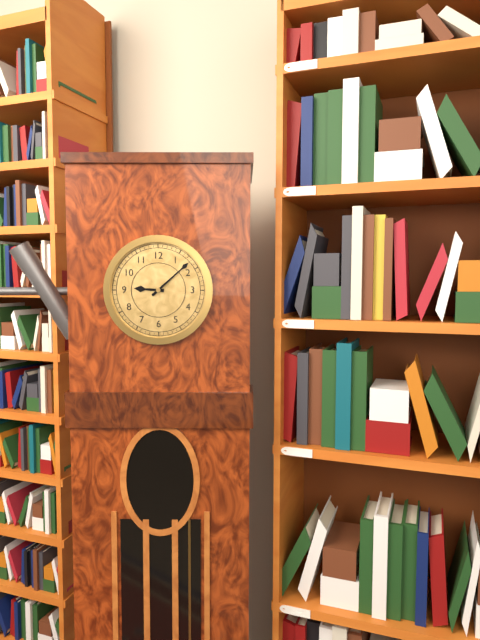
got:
9:08
